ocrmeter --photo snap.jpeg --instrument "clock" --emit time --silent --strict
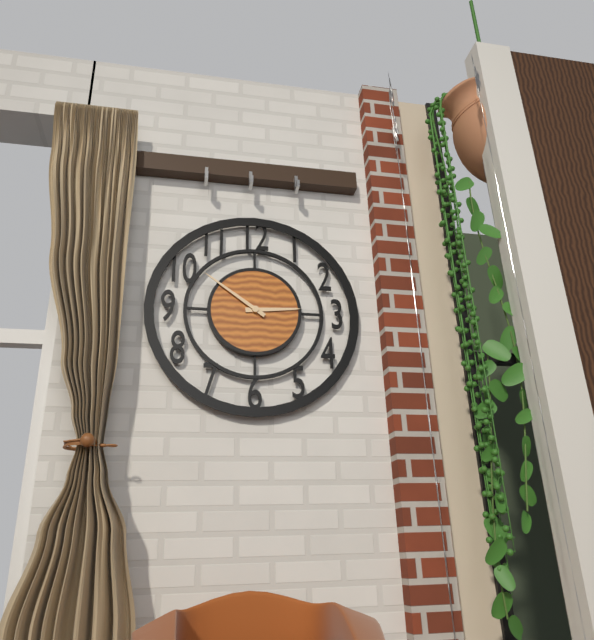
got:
2:51
